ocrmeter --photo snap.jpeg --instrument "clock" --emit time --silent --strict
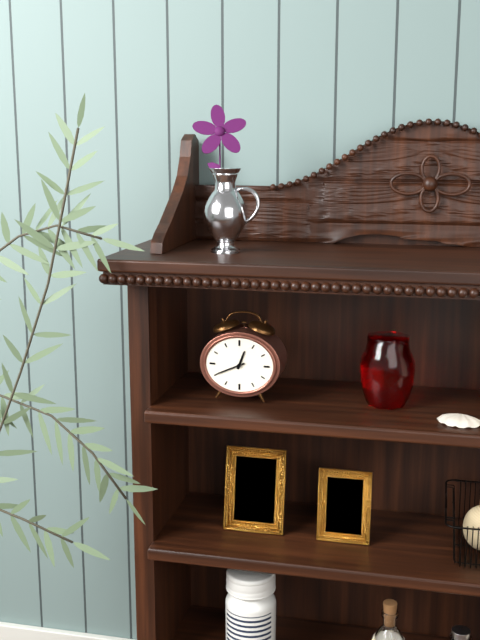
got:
12:41
